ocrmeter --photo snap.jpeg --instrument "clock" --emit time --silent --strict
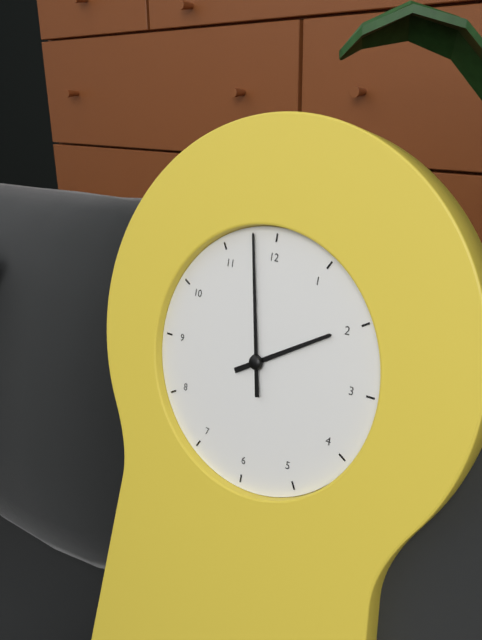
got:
1:58
